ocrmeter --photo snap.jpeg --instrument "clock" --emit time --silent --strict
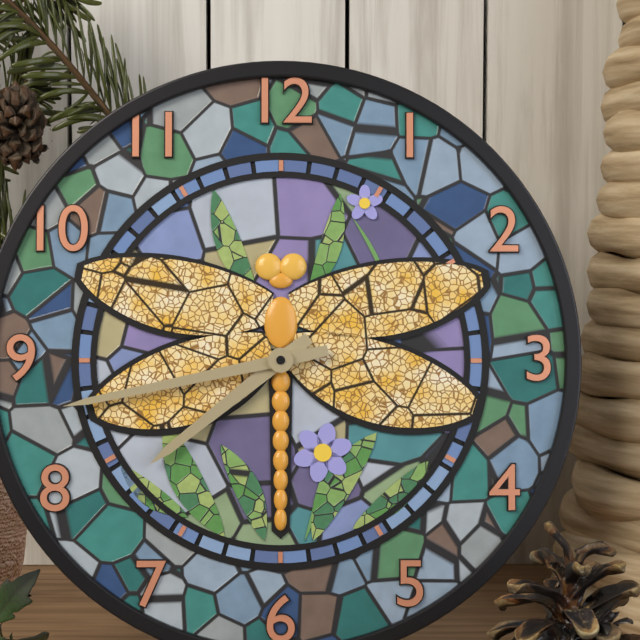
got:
7:43
